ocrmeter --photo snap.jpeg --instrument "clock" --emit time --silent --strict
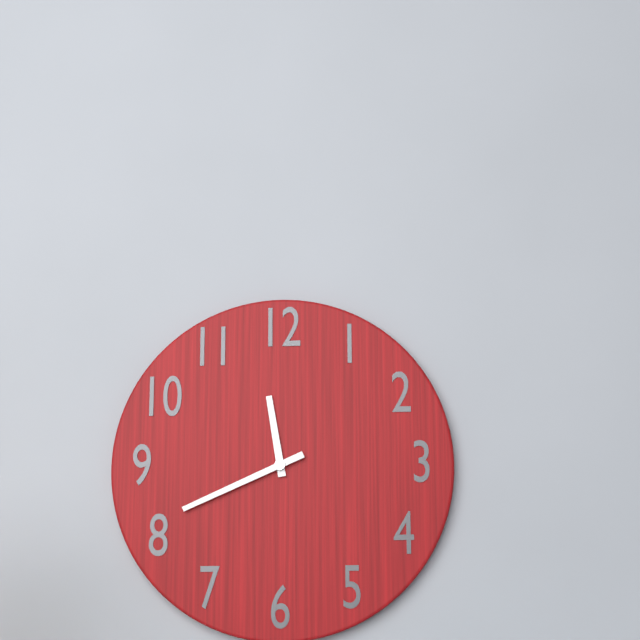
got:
11:41
